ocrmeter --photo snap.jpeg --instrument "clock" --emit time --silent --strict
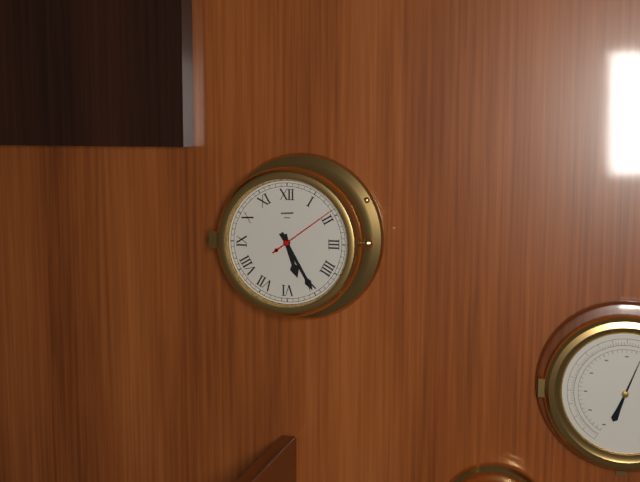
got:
5:25
